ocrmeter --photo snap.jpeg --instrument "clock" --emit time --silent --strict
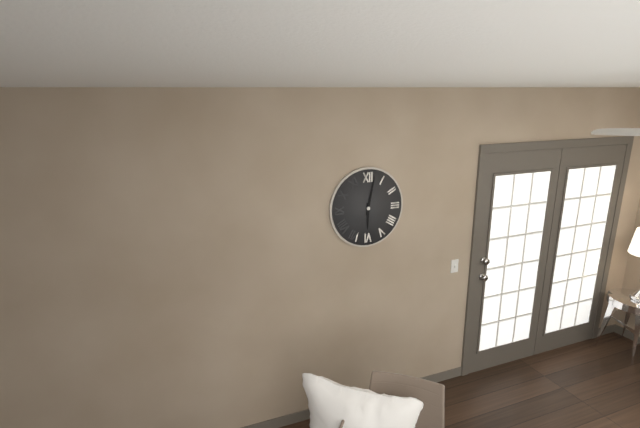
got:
6:02
